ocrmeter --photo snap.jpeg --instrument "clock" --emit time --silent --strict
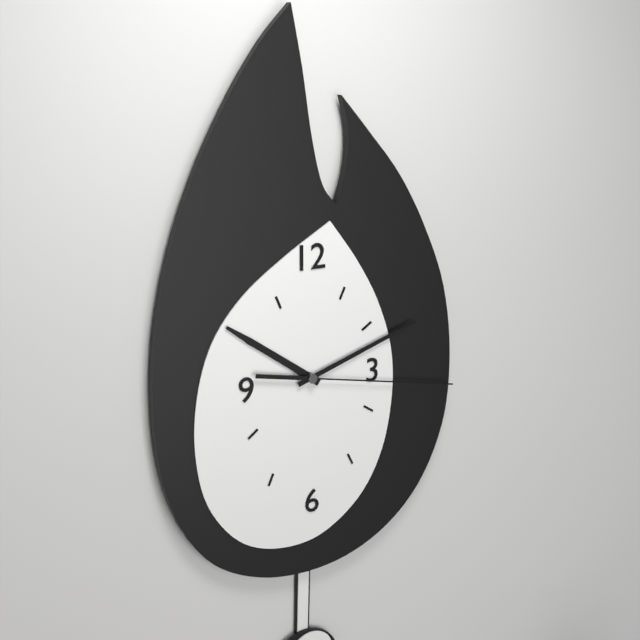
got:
10:12:17
